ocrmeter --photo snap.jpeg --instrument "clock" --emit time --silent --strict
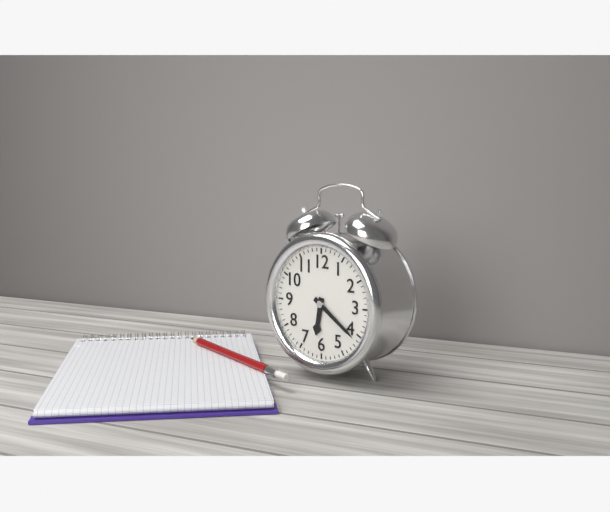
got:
6:21
